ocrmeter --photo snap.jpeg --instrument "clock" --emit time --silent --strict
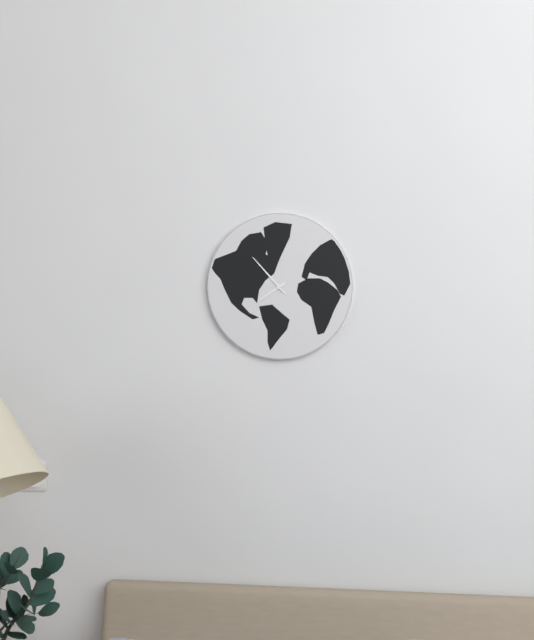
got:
7:53
